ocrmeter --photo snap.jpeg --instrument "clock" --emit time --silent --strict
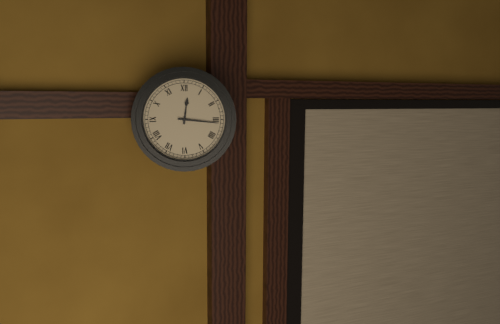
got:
12:16
